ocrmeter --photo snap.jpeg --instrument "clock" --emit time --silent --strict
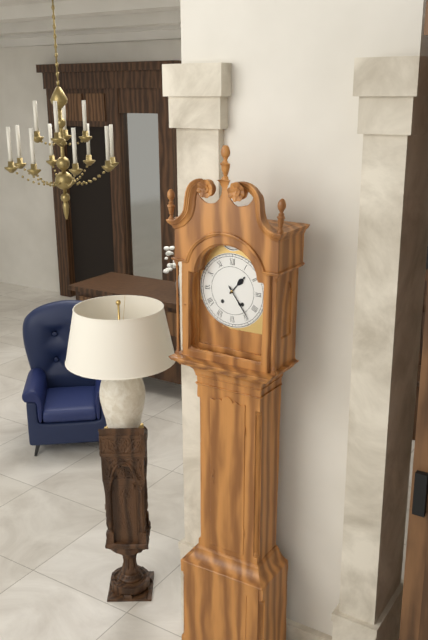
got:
1:24
